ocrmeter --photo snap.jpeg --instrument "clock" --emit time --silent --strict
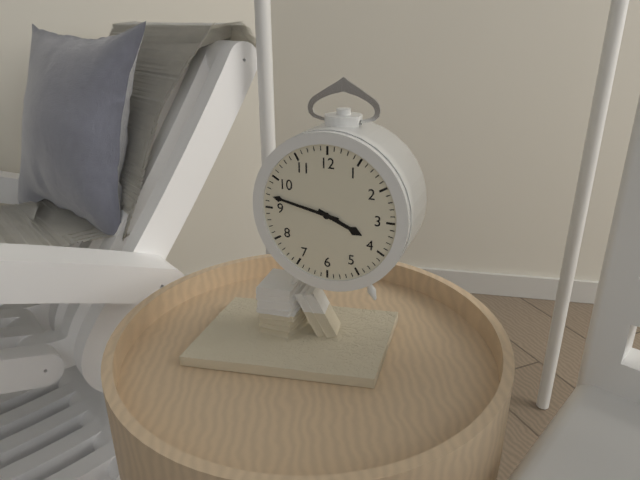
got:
3:47
